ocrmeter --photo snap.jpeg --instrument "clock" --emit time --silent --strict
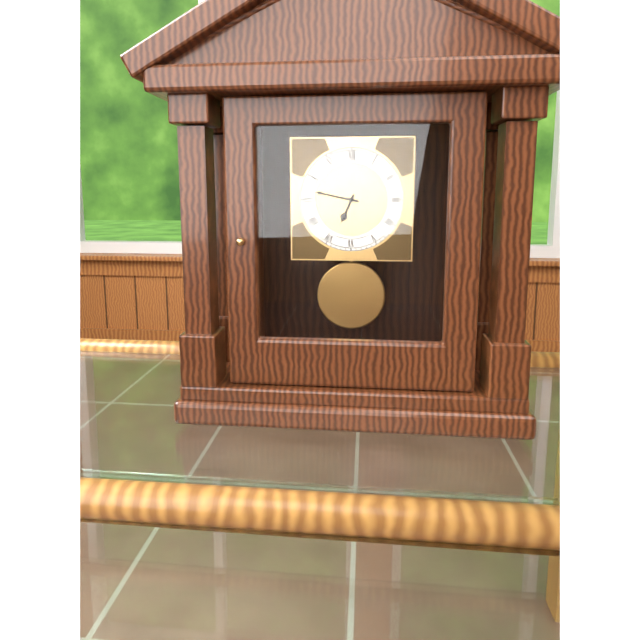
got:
6:47
